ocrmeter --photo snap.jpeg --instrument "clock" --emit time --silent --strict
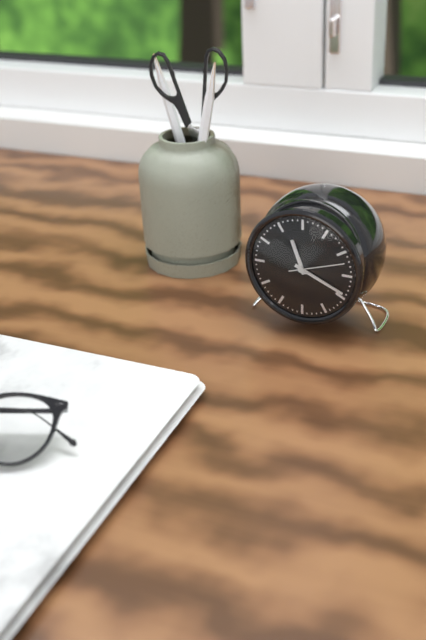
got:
11:19:12
